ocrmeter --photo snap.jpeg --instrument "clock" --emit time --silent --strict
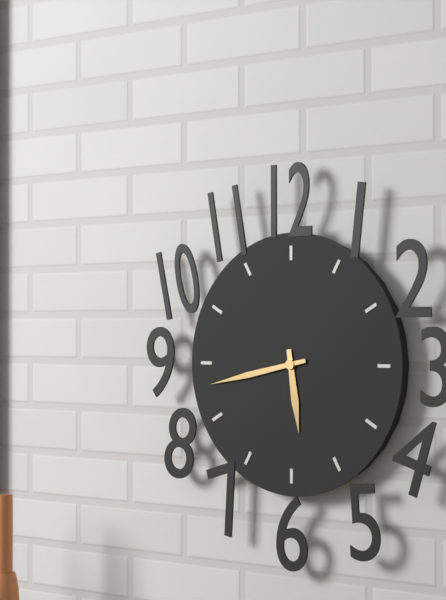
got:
5:43
